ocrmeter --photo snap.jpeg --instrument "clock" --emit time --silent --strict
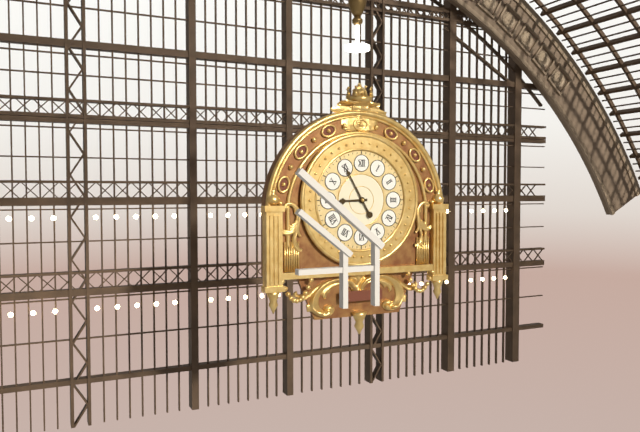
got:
8:55
